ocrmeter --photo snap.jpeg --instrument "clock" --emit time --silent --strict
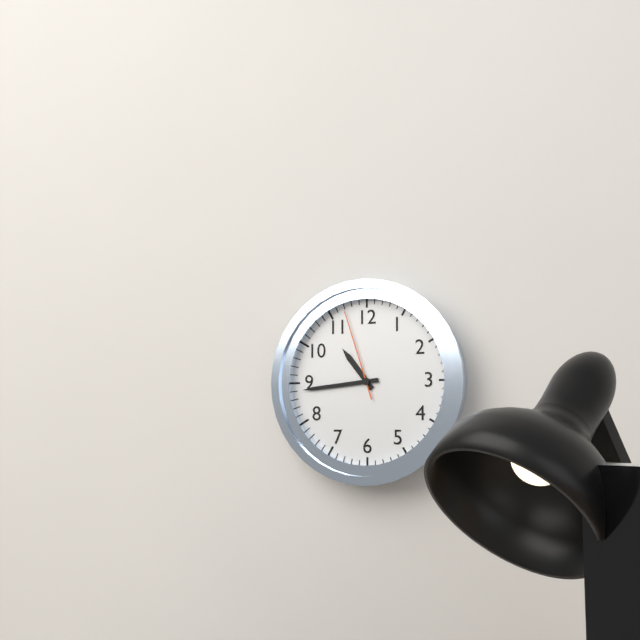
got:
10:44:57
